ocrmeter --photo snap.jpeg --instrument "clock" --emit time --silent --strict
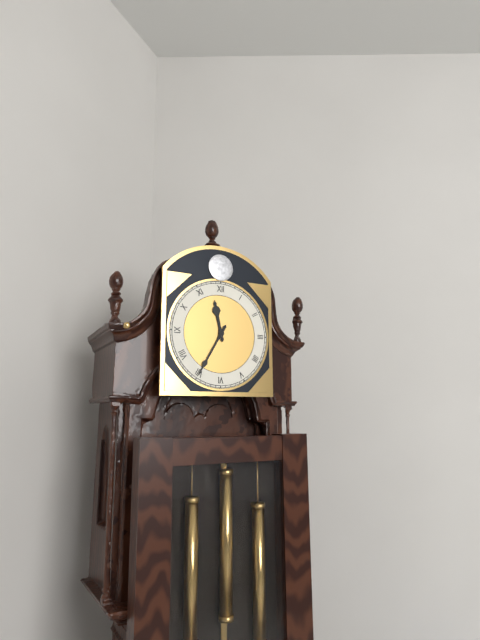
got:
11:35
